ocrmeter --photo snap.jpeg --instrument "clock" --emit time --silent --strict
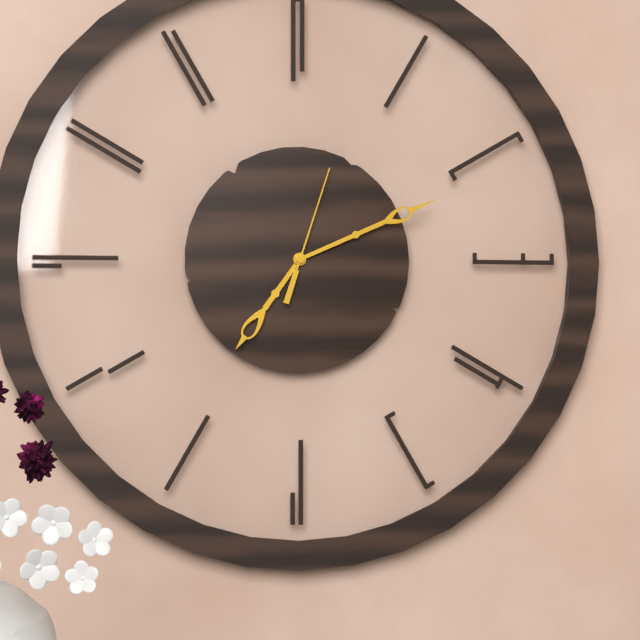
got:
7:11:03
